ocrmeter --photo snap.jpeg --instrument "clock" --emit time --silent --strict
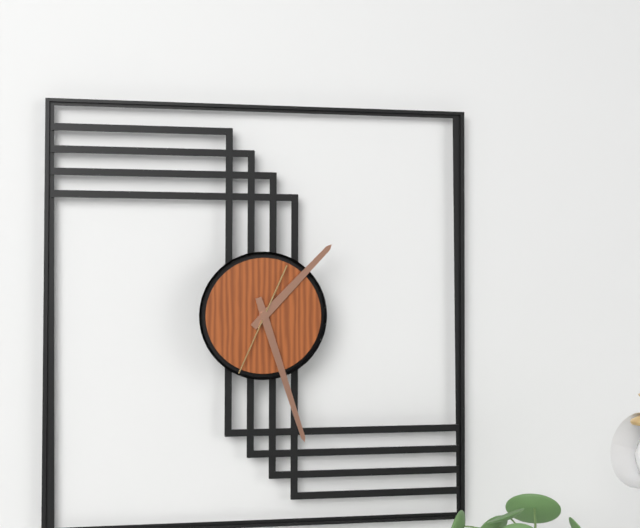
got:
1:27:34
